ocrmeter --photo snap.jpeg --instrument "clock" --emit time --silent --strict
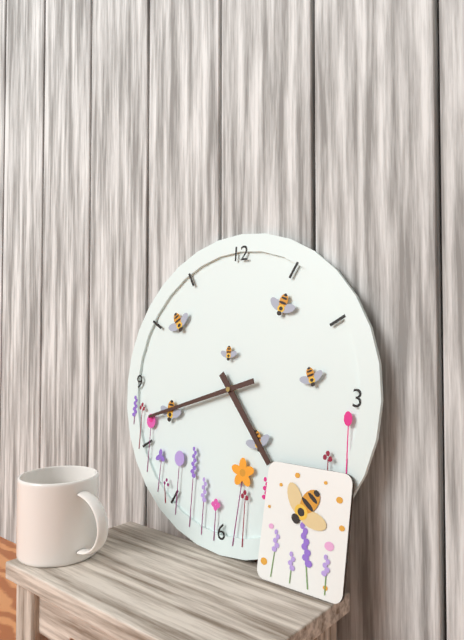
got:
4:42
